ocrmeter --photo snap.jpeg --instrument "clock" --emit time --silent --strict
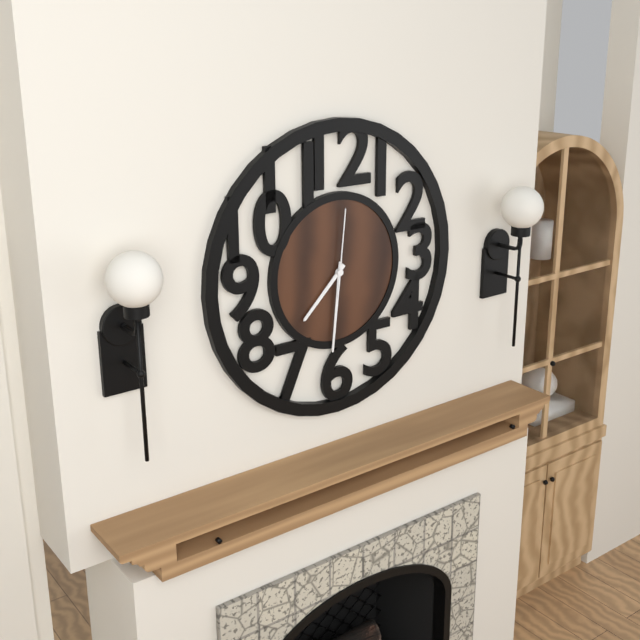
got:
7:31:01
